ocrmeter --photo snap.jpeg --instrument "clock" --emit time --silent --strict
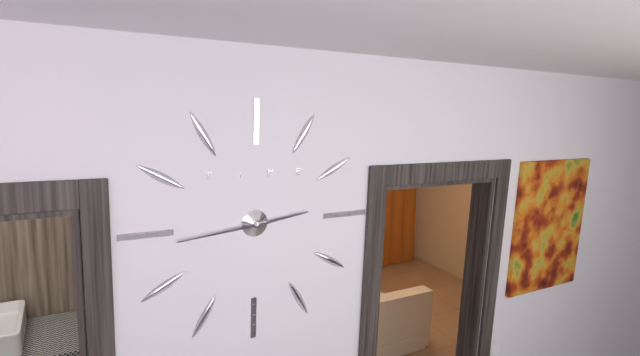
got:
2:44
